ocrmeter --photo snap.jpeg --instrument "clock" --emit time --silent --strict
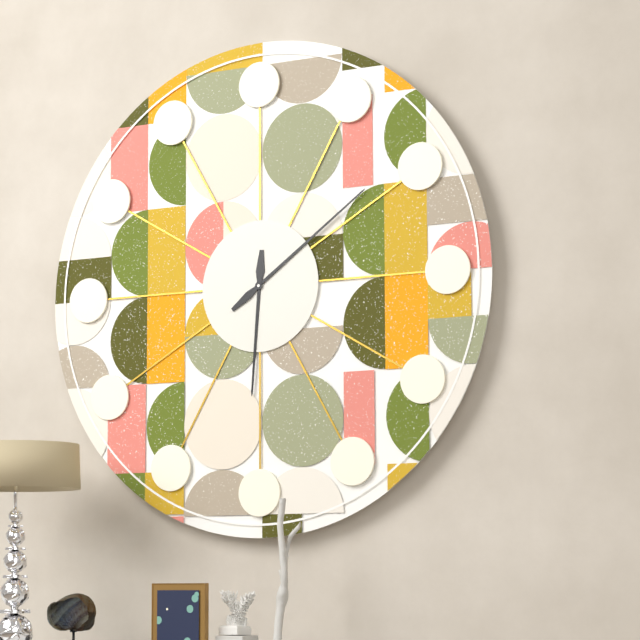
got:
6:09
